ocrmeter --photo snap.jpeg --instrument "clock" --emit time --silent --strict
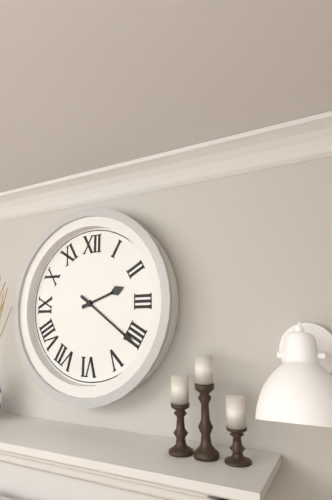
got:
2:21
